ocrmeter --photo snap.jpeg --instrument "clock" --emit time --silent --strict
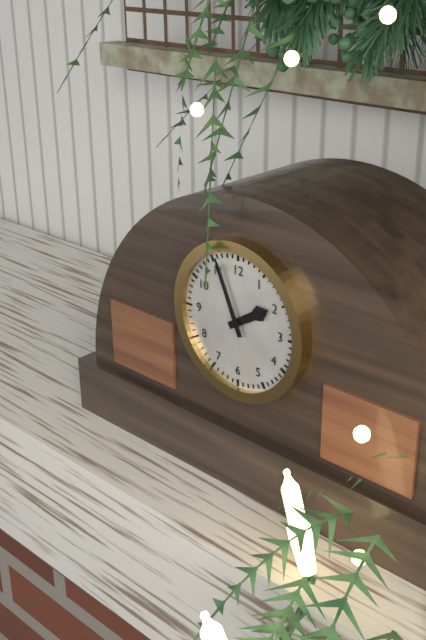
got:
1:56
